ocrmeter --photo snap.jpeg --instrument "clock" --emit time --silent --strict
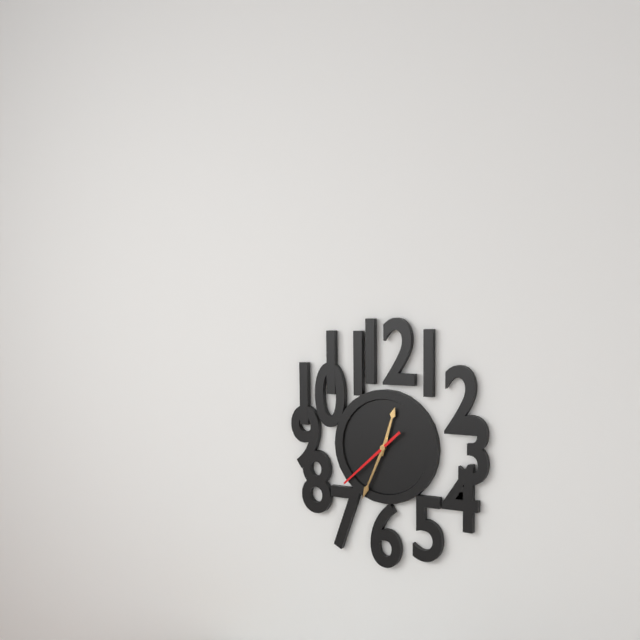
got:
12:34:38
